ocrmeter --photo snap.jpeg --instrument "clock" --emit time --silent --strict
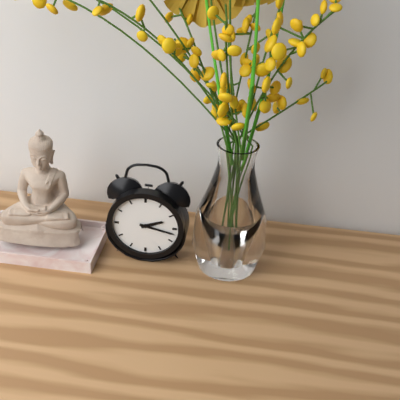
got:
2:17
